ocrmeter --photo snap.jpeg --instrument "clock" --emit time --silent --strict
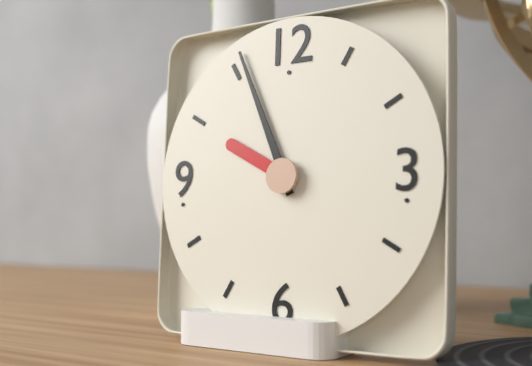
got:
9:56
